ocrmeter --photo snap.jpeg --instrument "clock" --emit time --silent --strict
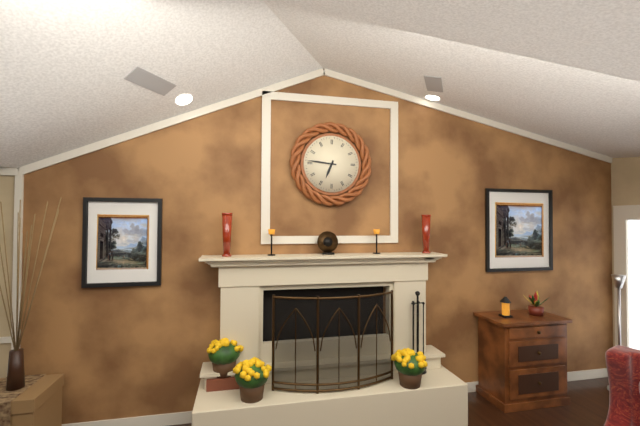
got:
6:46
